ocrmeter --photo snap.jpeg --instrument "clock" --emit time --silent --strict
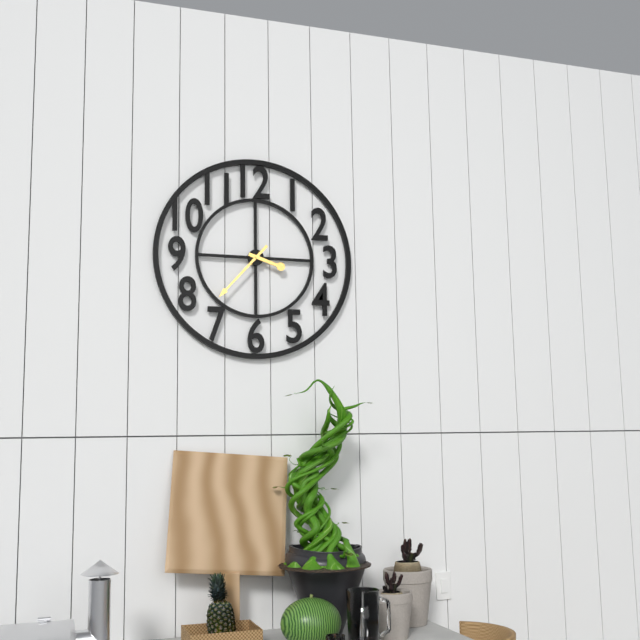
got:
3:37
